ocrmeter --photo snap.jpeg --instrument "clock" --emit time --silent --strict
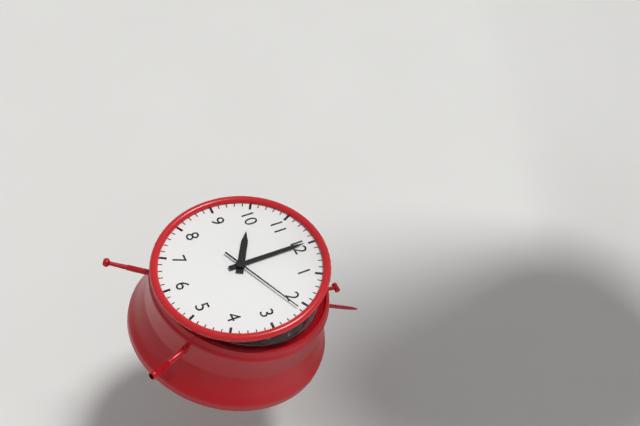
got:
10:00:11
